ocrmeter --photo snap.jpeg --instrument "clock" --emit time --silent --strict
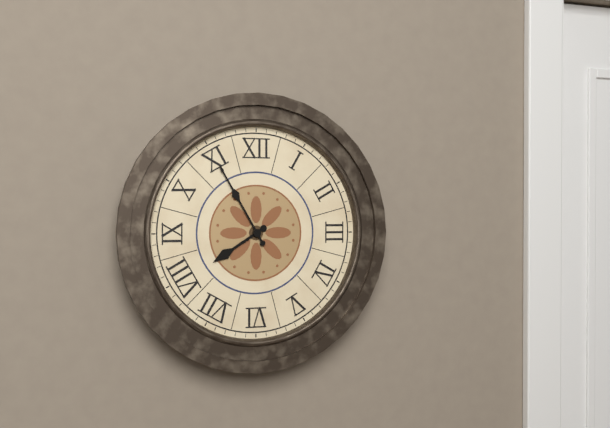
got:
7:55
